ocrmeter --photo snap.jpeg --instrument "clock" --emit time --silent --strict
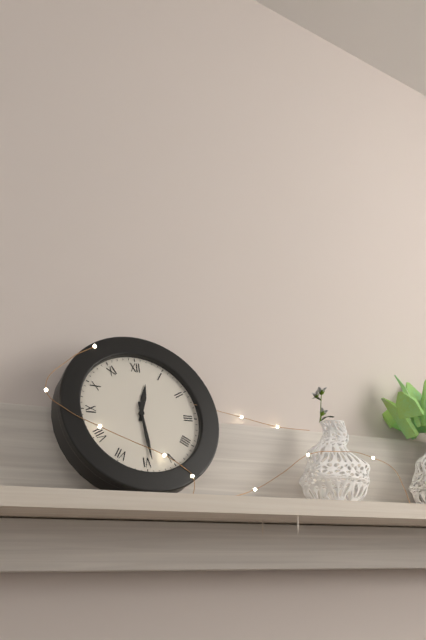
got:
12:29
